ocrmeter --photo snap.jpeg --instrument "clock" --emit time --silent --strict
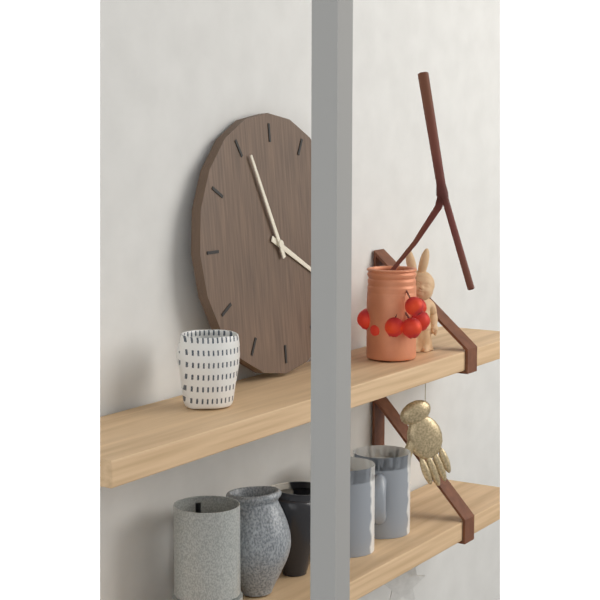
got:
3:56
